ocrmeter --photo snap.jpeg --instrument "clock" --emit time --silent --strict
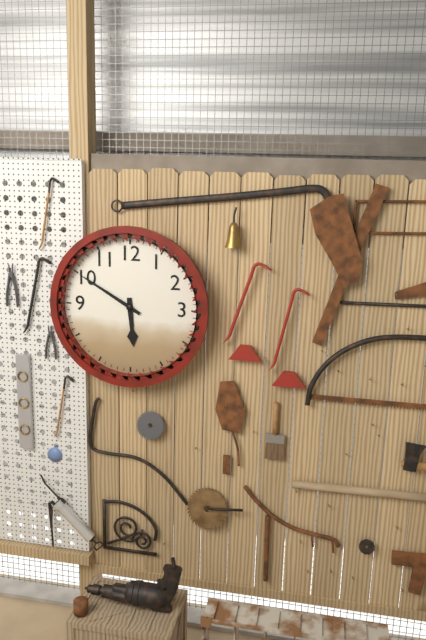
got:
5:50
